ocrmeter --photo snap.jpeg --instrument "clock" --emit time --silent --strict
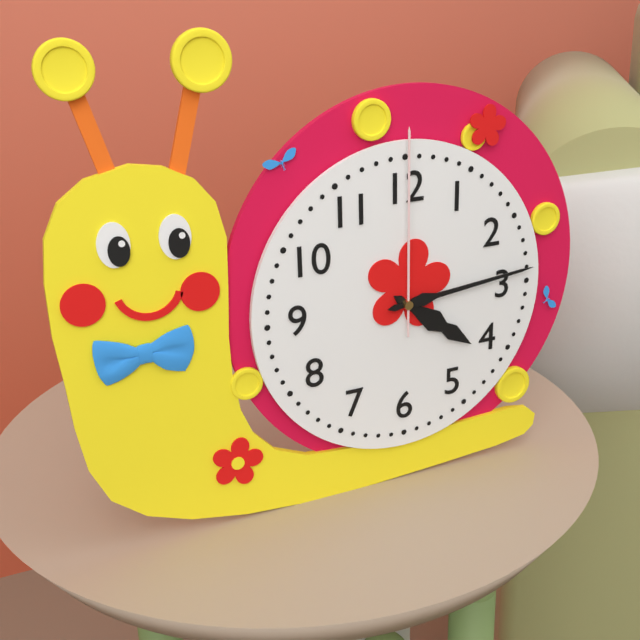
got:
4:14:00
